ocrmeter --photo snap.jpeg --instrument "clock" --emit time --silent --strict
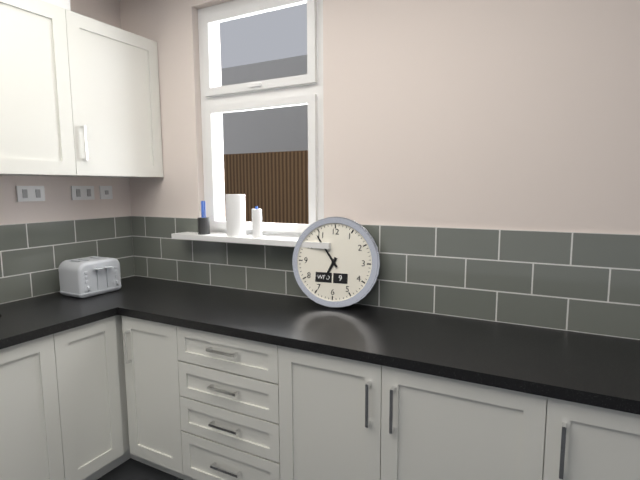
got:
6:54
